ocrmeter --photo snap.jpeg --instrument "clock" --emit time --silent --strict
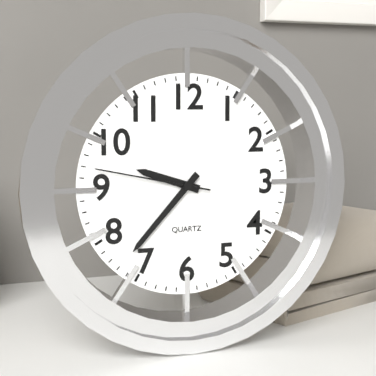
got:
9:37:47
